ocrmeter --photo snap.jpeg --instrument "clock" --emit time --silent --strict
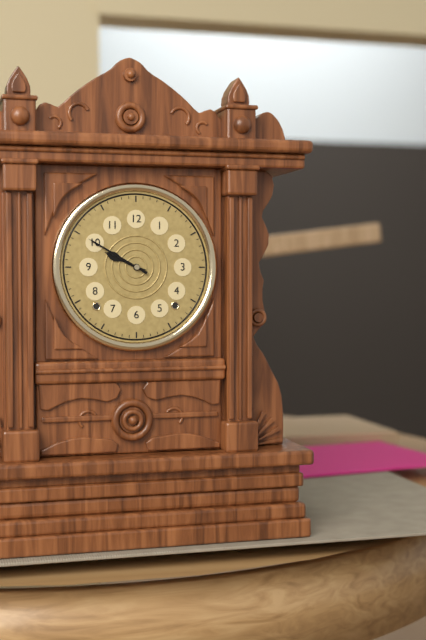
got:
9:50
